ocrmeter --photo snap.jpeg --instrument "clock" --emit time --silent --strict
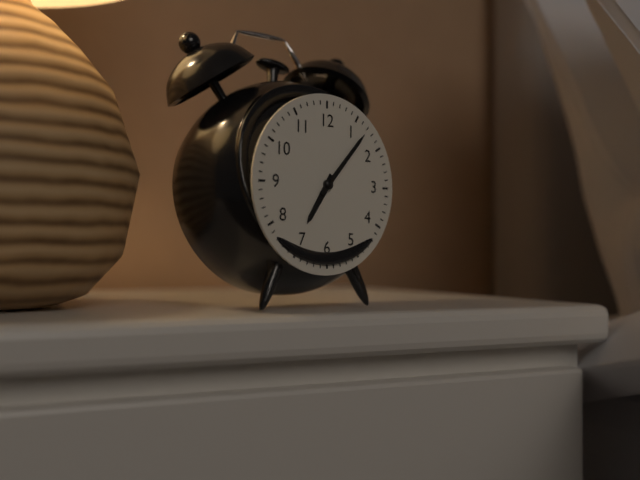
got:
7:07
